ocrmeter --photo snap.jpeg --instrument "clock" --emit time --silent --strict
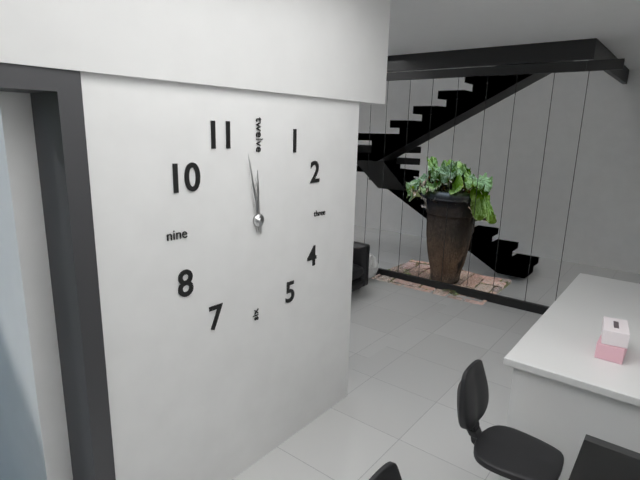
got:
11:58
